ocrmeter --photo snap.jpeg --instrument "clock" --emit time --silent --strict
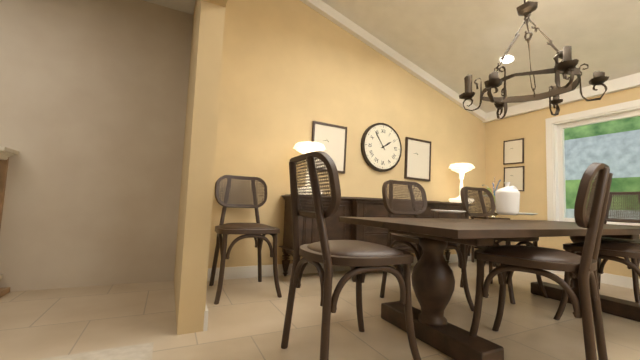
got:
1:54
